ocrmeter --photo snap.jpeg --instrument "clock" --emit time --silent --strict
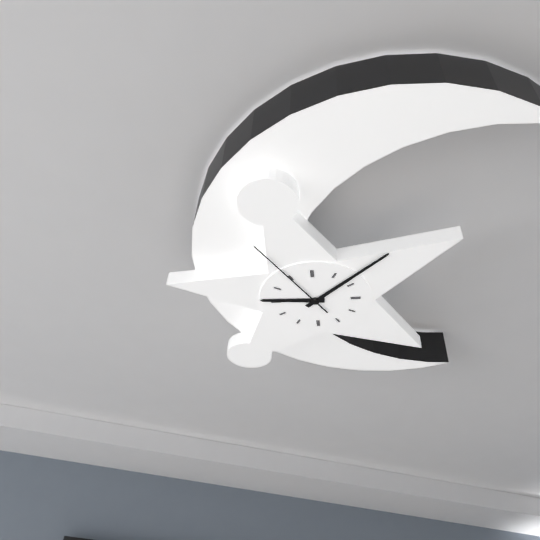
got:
9:08:55
